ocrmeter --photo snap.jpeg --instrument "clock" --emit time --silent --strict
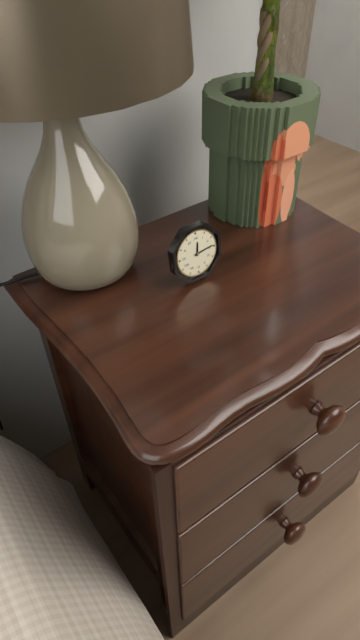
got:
12:14
